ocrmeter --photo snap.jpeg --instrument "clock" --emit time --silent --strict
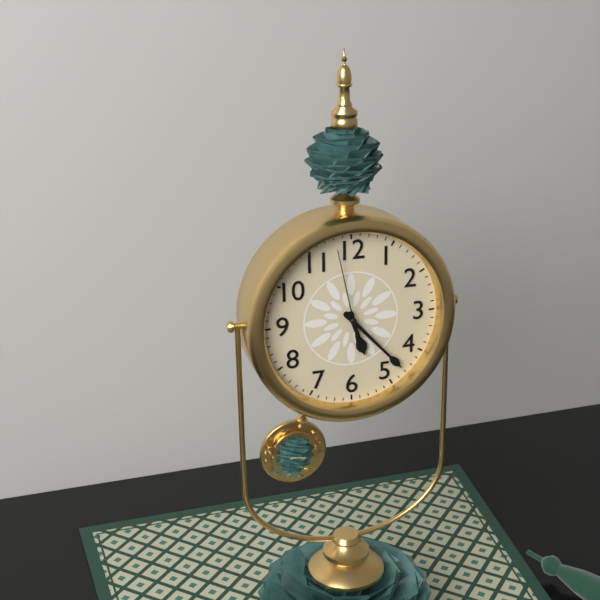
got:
5:23:58
